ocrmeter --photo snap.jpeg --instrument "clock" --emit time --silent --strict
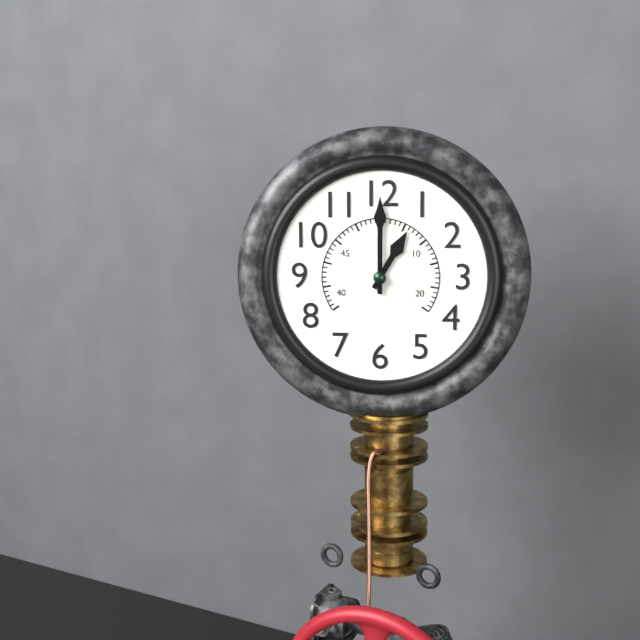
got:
1:00
